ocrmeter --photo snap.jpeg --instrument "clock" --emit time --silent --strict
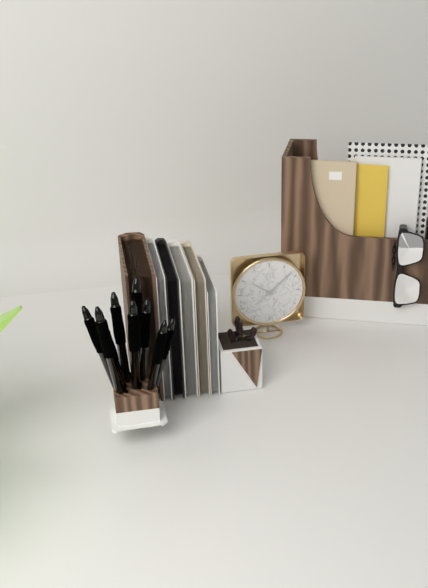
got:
10:08
